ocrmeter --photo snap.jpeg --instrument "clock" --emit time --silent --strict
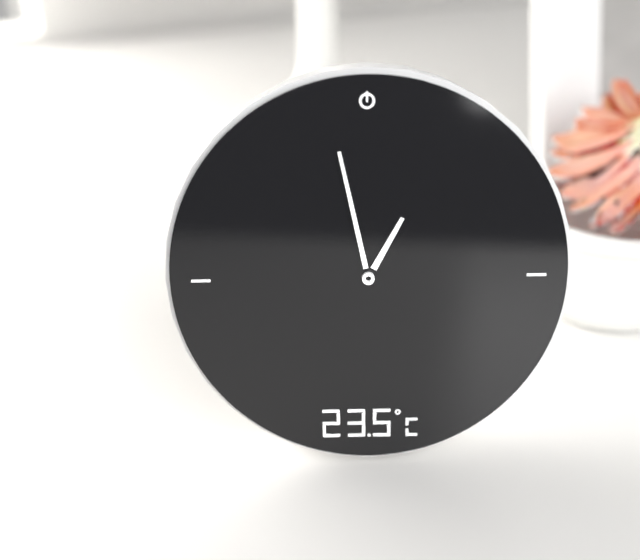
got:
12:58
